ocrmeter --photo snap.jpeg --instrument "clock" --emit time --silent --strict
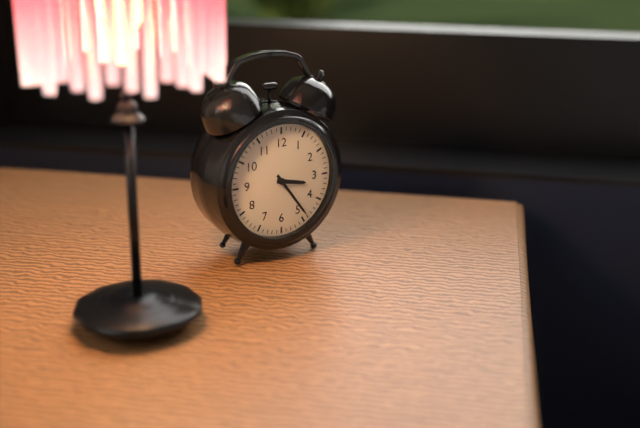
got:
3:24
